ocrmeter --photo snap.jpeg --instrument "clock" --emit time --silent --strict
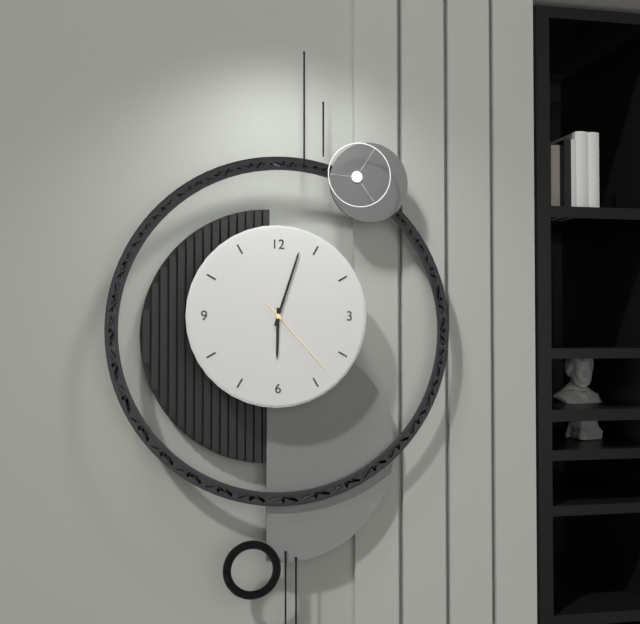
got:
6:03:23
